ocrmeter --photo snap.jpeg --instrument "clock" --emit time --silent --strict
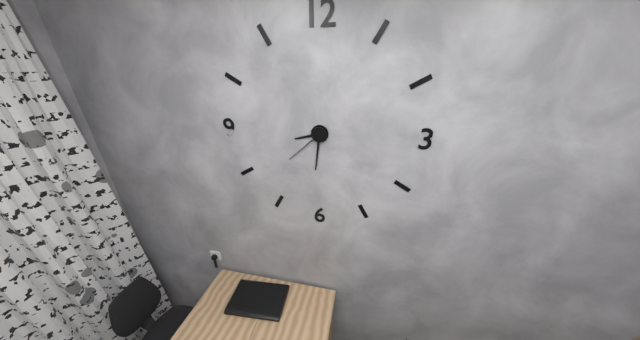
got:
8:31
